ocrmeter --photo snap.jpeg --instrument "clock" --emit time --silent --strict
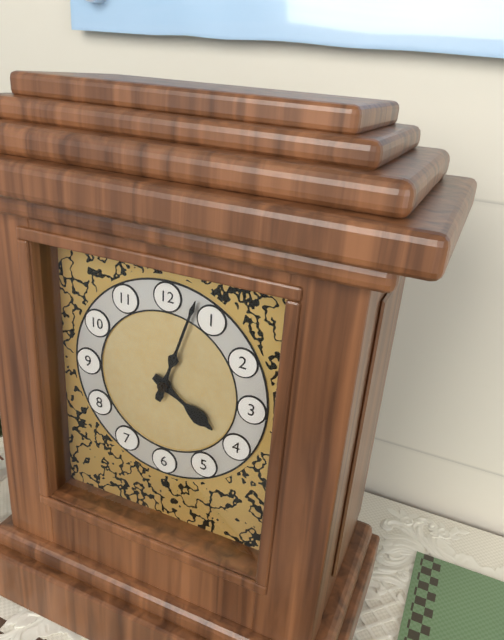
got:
4:03
